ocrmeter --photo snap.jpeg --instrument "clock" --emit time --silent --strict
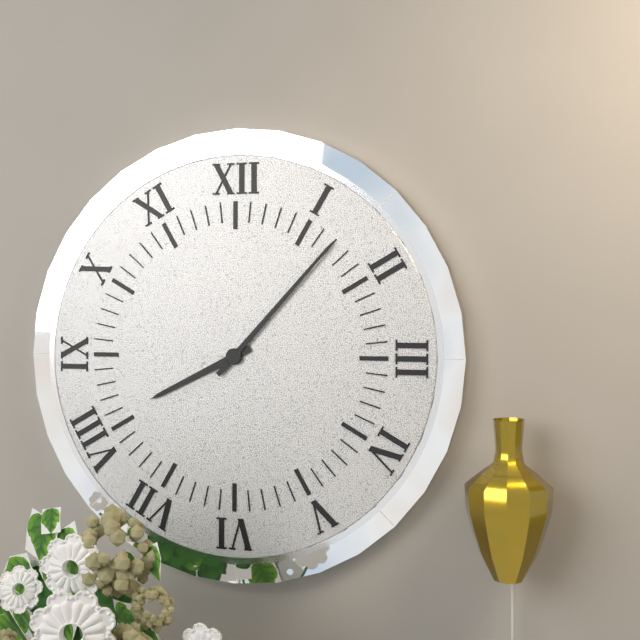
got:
8:07
